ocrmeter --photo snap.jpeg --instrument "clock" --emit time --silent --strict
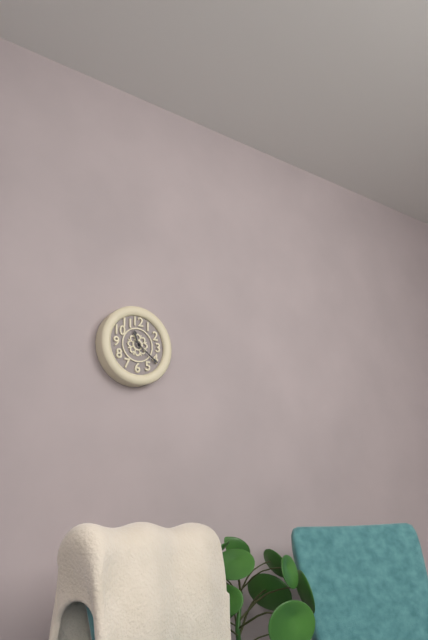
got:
11:21
